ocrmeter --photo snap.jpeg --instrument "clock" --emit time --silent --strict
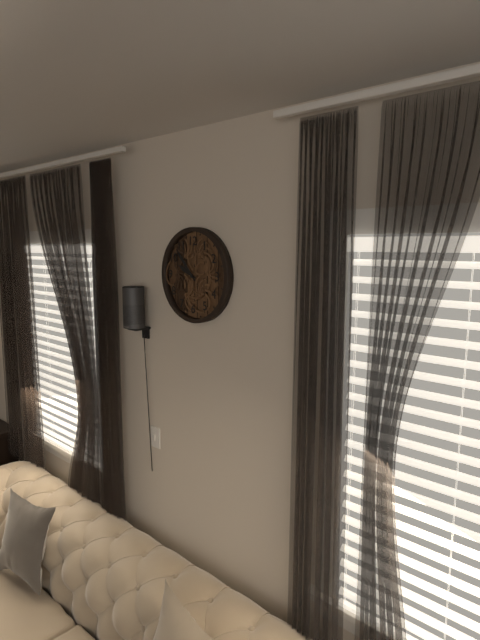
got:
9:53
